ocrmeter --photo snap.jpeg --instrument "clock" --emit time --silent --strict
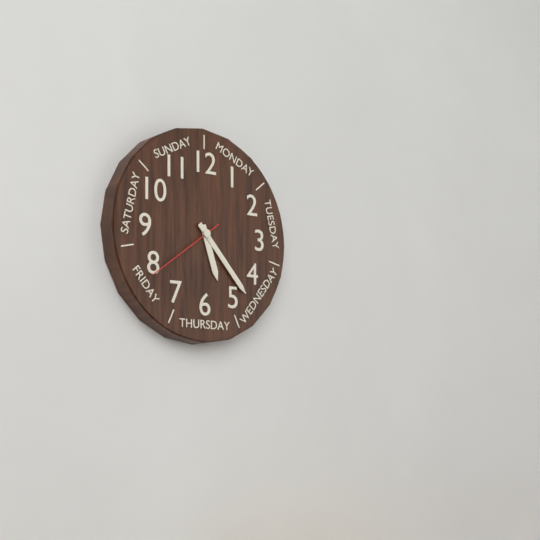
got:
5:23:39
